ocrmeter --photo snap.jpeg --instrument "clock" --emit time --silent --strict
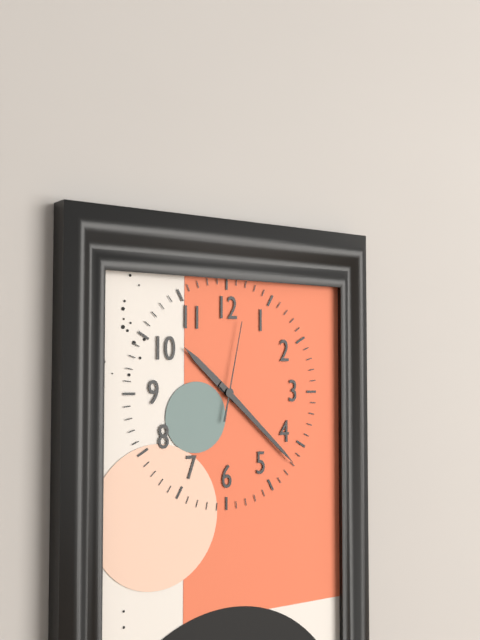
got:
10:22:02
